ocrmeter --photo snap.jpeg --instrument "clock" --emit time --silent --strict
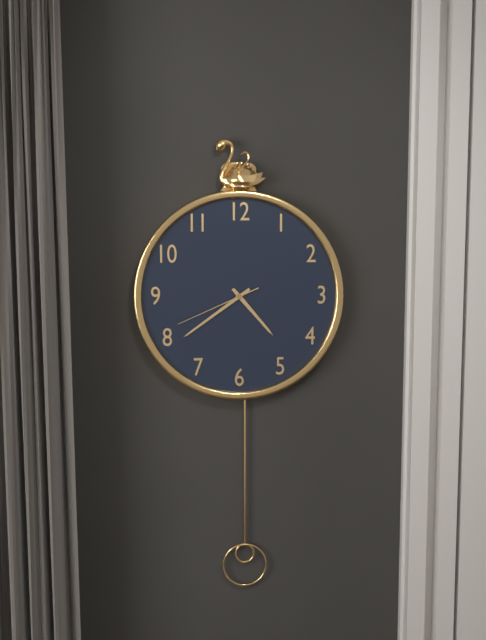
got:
4:39:41
